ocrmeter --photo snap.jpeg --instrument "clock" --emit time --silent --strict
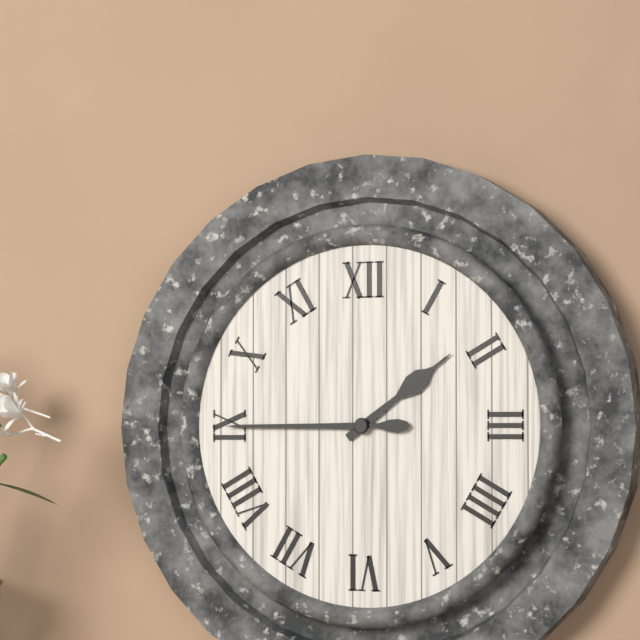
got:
1:45
